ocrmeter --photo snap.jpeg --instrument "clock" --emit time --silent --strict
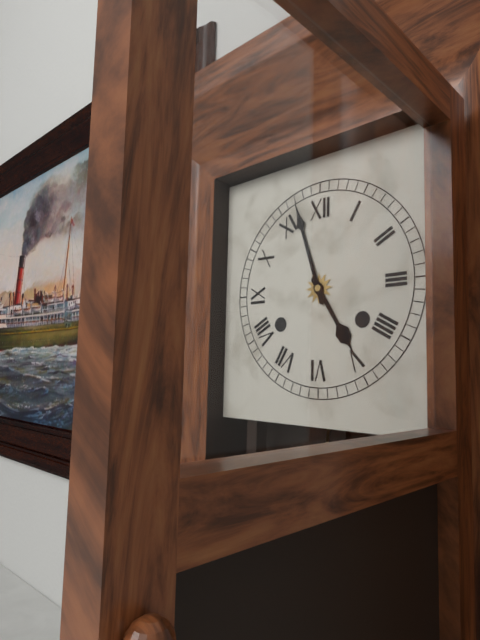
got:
4:57
